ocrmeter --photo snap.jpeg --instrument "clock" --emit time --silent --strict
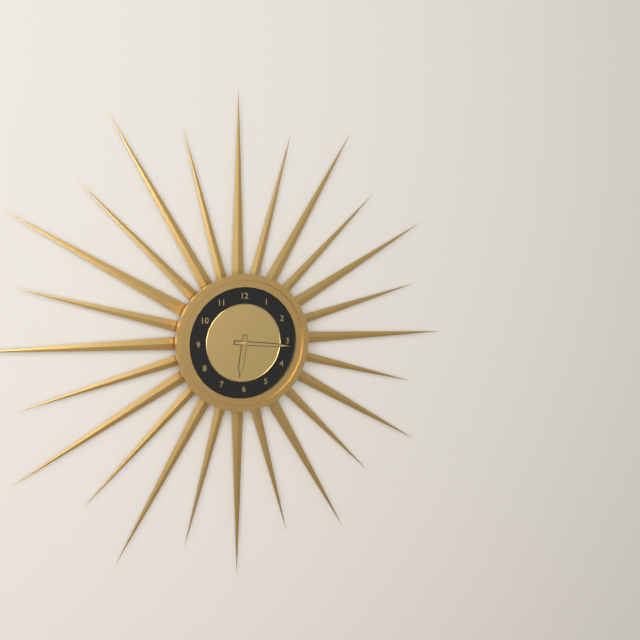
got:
6:16
